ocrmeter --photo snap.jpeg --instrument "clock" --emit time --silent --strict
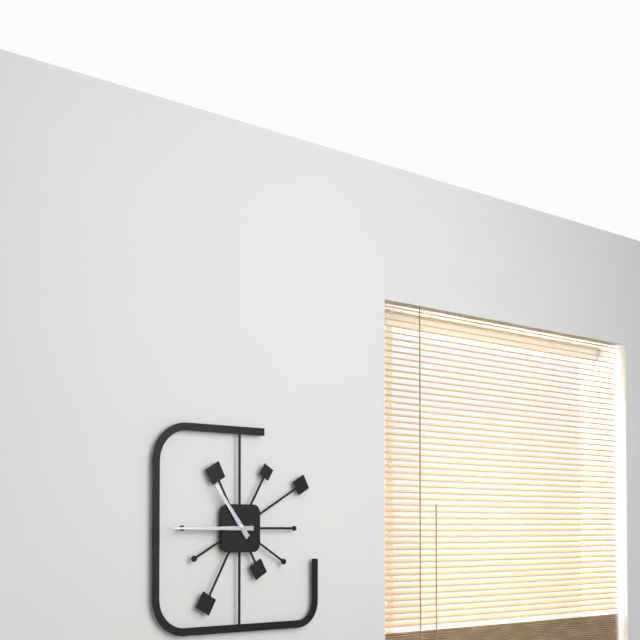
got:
10:45
